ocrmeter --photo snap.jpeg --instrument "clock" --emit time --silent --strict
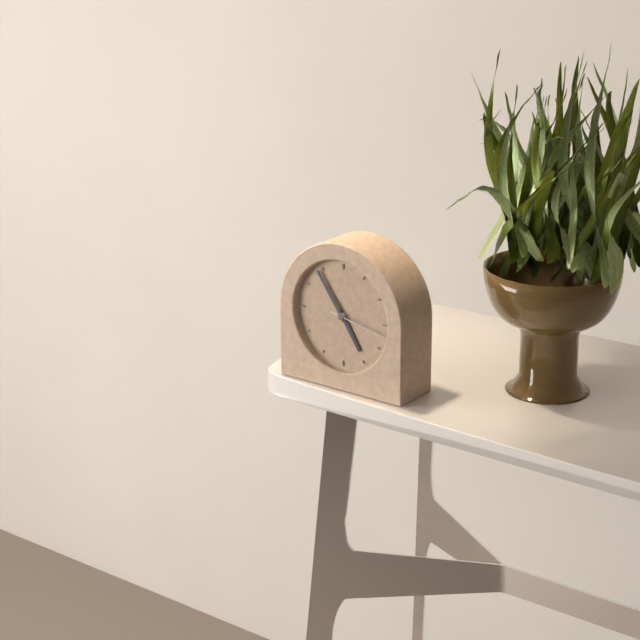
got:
4:54:17
